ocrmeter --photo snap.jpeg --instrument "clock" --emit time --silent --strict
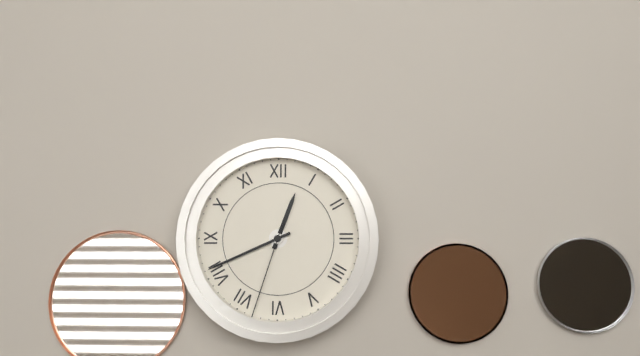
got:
12:41:33
